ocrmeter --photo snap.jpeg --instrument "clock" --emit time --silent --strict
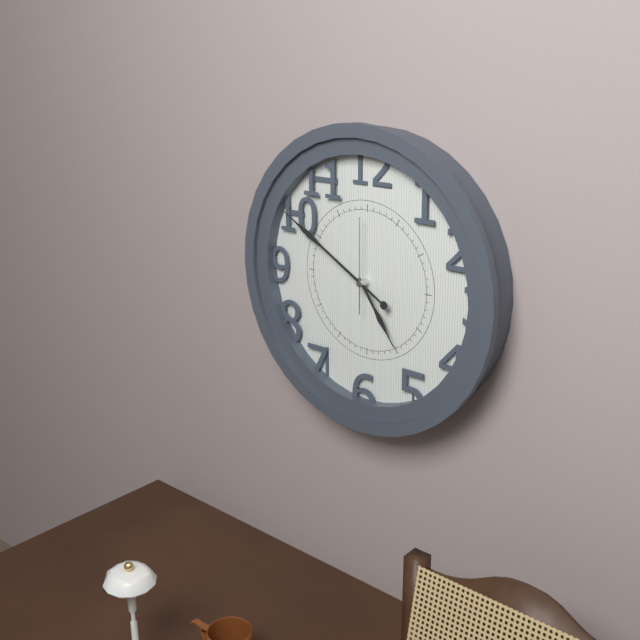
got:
4:50:00
